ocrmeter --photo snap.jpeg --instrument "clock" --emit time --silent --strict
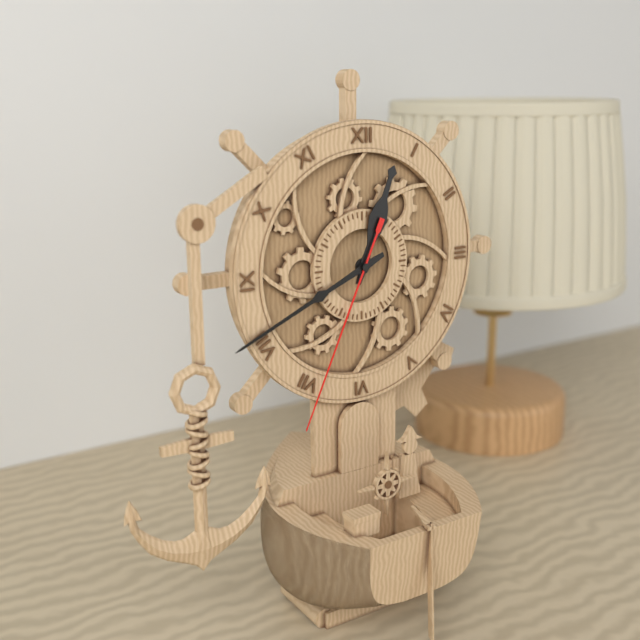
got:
12:41:34
